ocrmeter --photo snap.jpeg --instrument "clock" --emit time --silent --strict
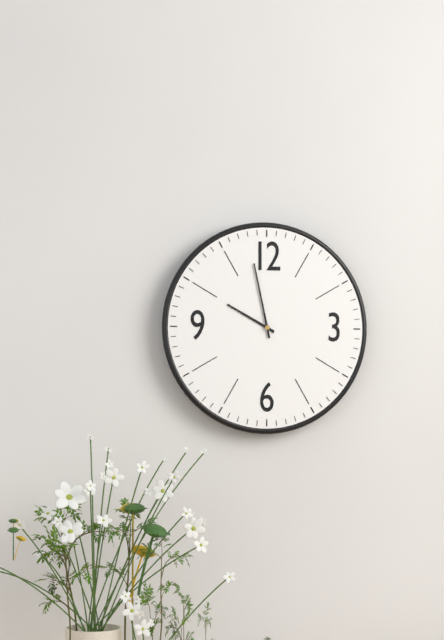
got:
9:58
